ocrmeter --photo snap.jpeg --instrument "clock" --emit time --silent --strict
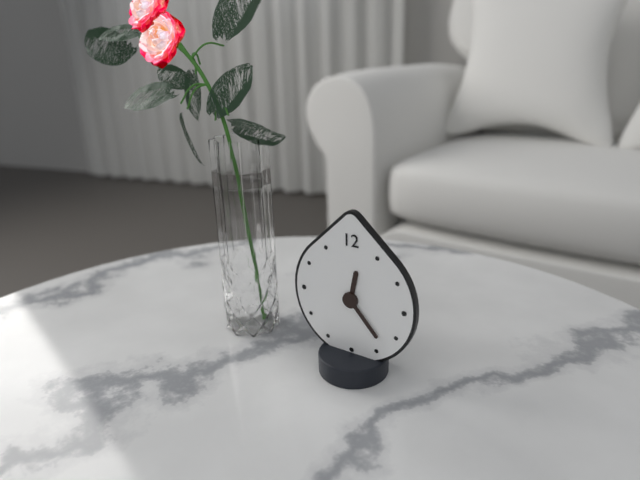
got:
12:23
